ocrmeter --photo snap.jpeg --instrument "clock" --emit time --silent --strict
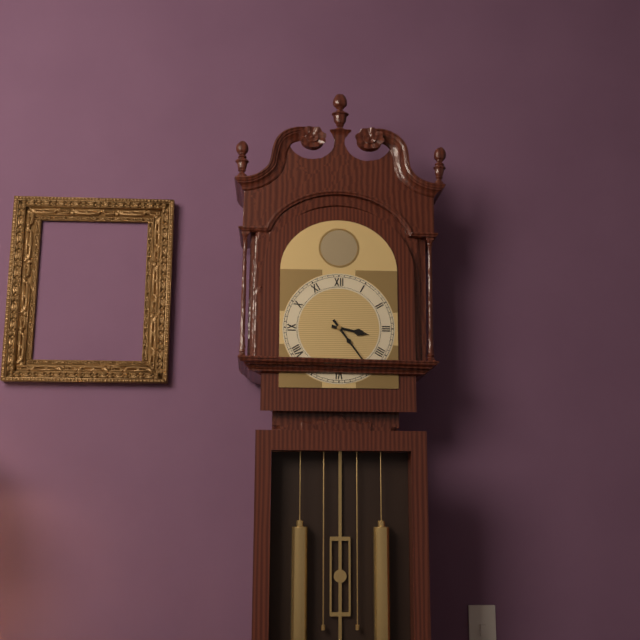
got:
3:24
